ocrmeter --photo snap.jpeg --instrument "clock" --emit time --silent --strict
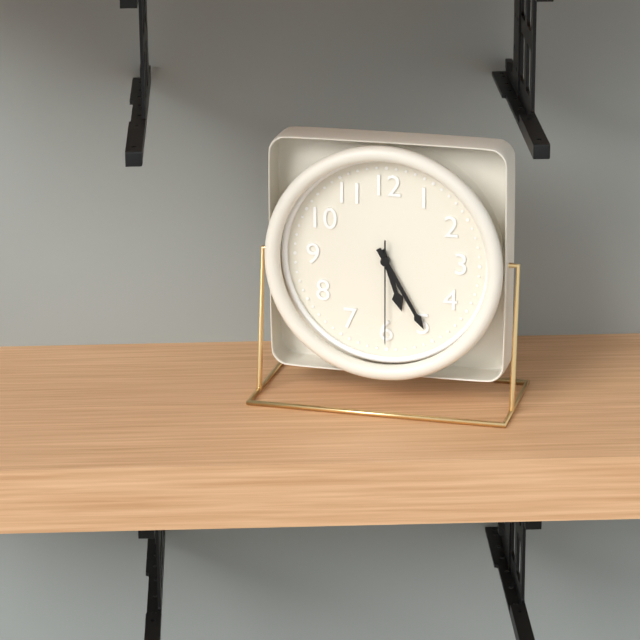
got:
5:25:30
